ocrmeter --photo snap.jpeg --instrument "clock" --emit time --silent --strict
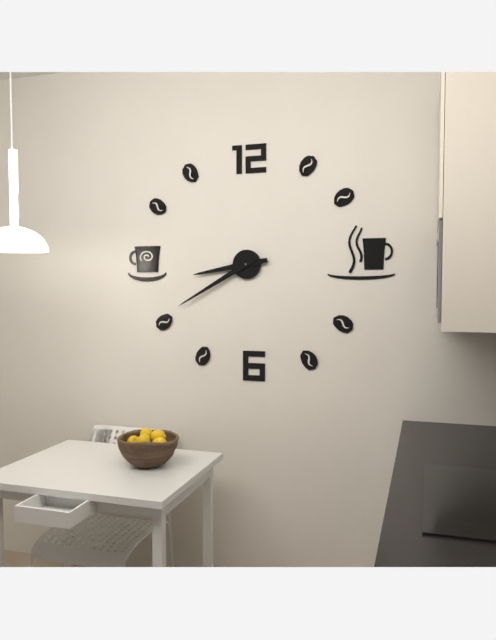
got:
8:40
